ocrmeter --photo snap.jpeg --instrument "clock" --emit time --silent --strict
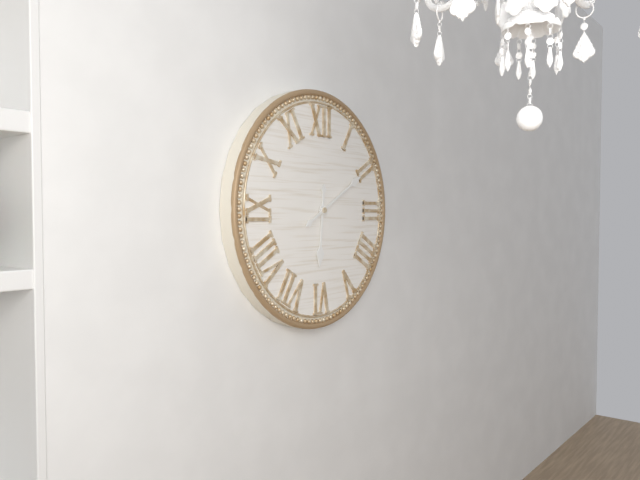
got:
6:10
